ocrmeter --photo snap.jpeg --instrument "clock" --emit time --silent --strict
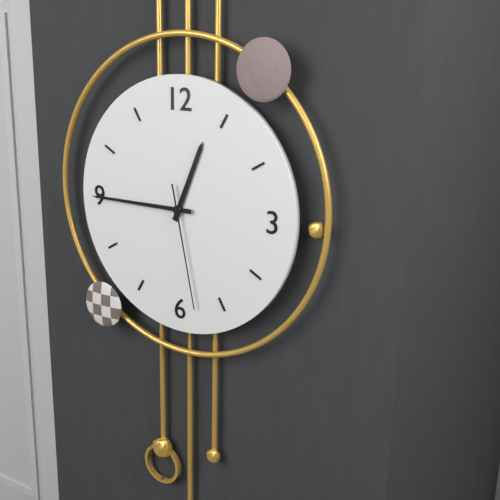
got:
12:45:28
